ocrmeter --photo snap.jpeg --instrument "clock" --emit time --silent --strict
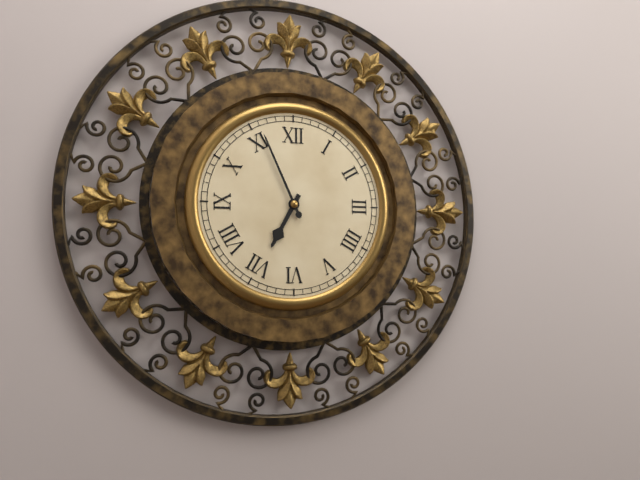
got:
6:56
